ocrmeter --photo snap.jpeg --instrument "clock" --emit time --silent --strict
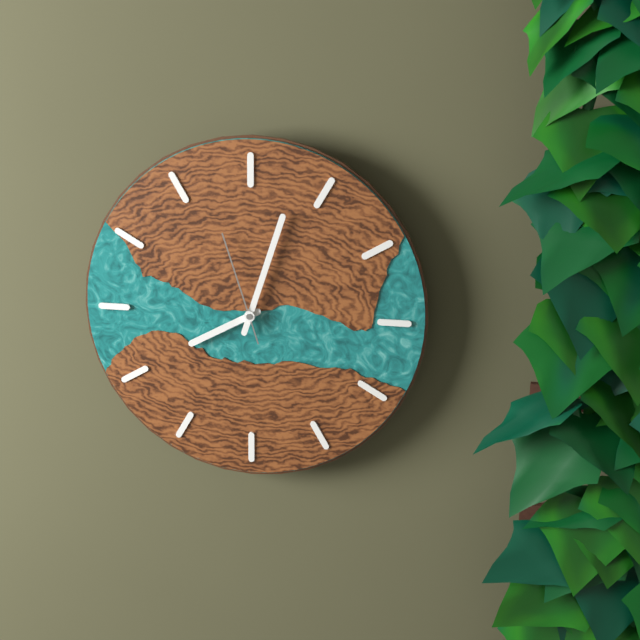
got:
8:03:57
